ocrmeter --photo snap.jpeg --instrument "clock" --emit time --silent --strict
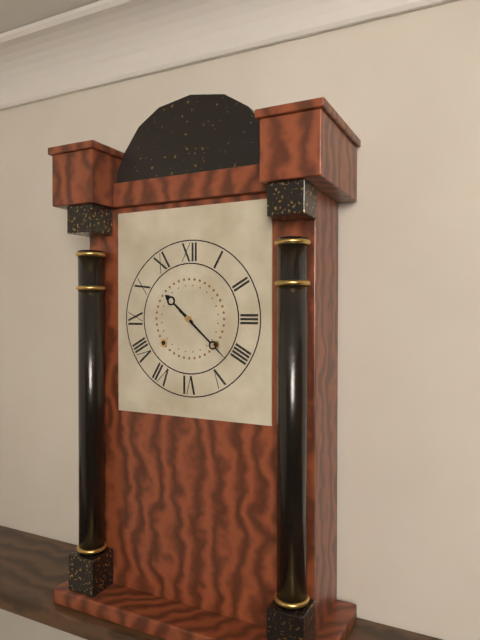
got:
10:22
